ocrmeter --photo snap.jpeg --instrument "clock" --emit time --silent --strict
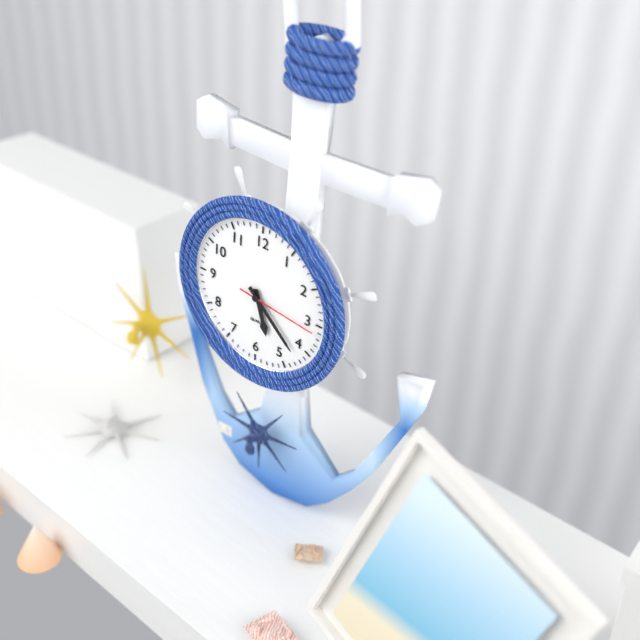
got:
5:22:16
